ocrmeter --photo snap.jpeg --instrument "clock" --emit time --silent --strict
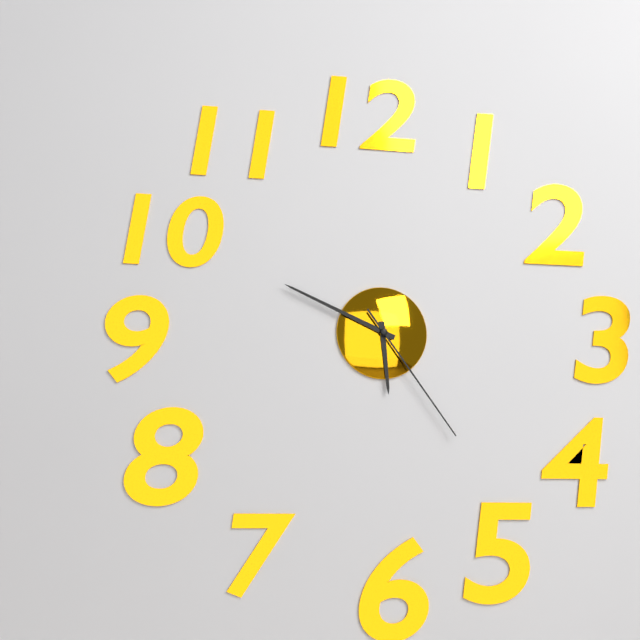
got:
5:49:24
